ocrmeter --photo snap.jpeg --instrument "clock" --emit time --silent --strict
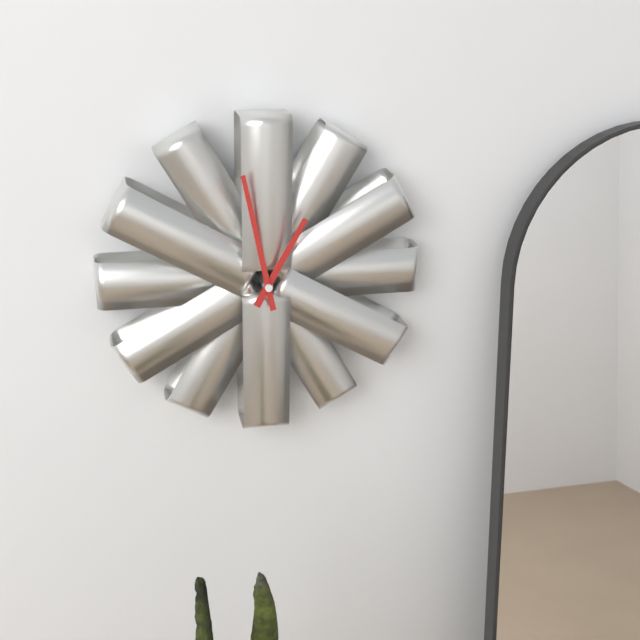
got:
12:58
